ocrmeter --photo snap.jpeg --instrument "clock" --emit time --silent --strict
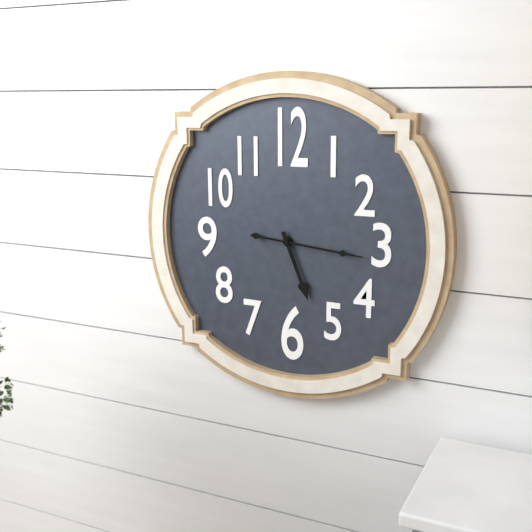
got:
5:16
